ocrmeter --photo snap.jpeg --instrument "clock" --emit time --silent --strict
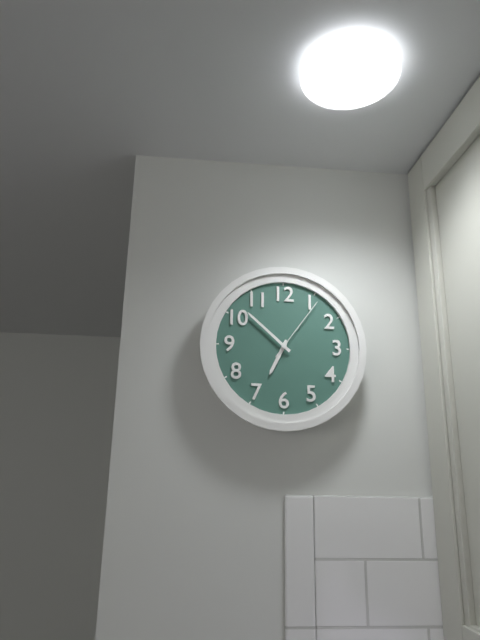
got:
6:52:06
